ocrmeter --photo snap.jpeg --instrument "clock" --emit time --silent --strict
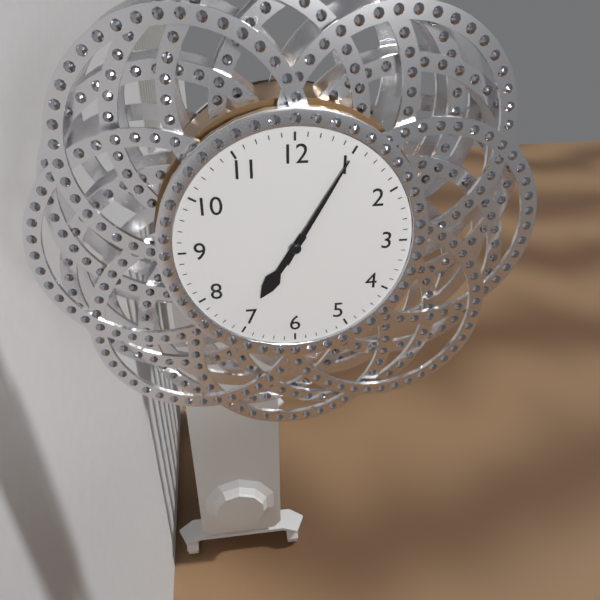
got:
7:05
